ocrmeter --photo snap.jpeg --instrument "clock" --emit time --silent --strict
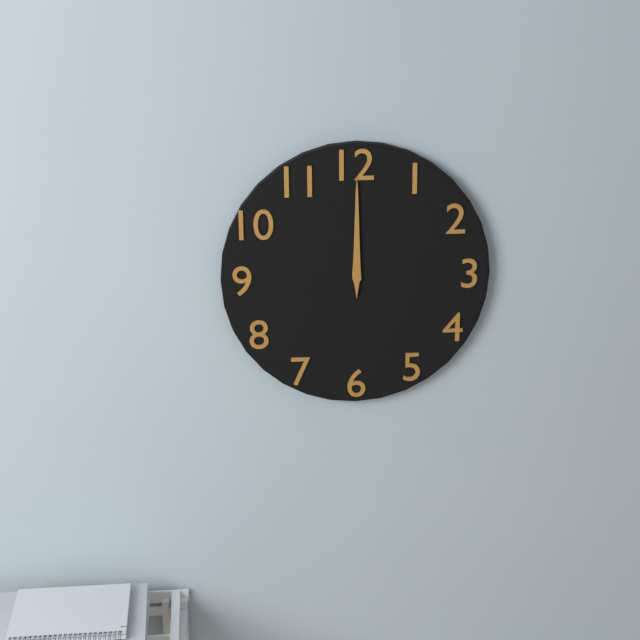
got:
12:00
